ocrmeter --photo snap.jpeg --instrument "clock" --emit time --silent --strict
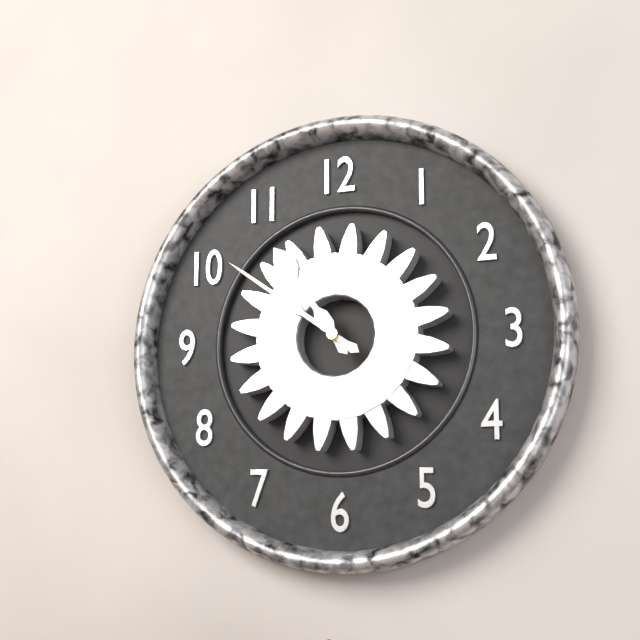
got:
10:51
